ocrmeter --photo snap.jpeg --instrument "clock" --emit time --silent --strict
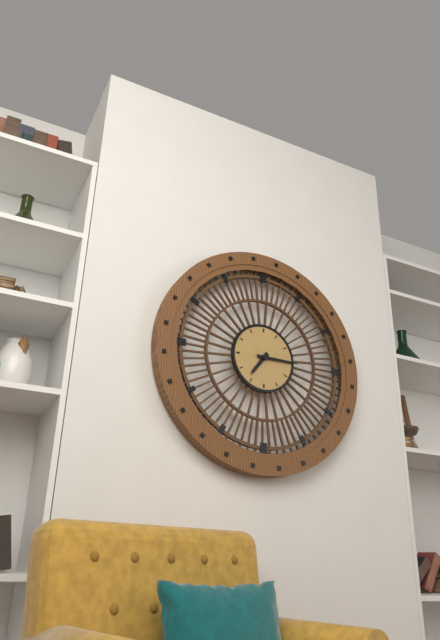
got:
7:15
